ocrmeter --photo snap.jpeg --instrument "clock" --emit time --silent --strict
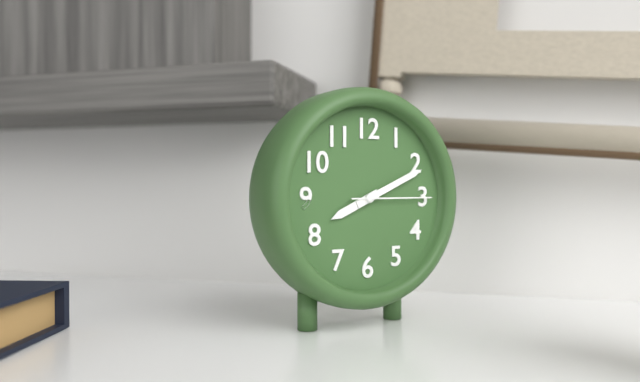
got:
8:11:15
